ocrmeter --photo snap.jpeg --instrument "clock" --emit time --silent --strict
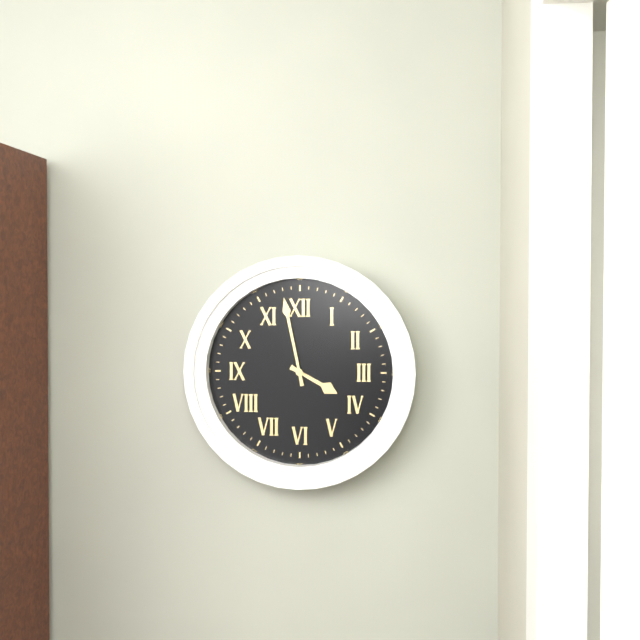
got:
3:58
